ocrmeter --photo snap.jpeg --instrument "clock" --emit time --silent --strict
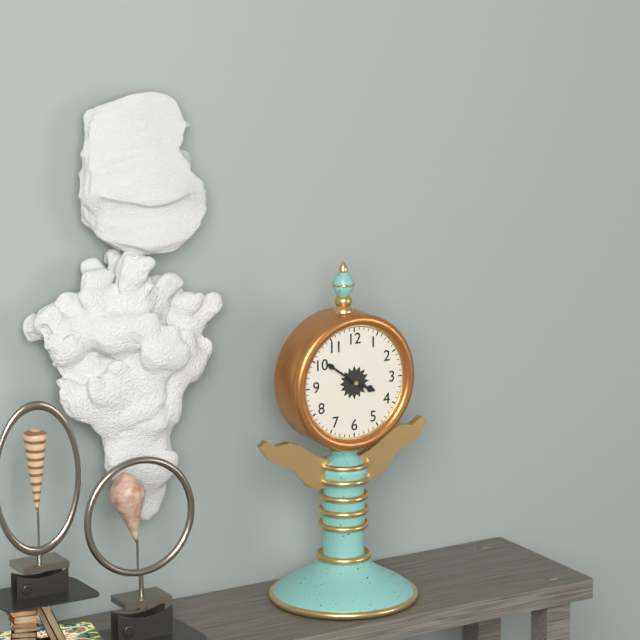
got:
3:51
